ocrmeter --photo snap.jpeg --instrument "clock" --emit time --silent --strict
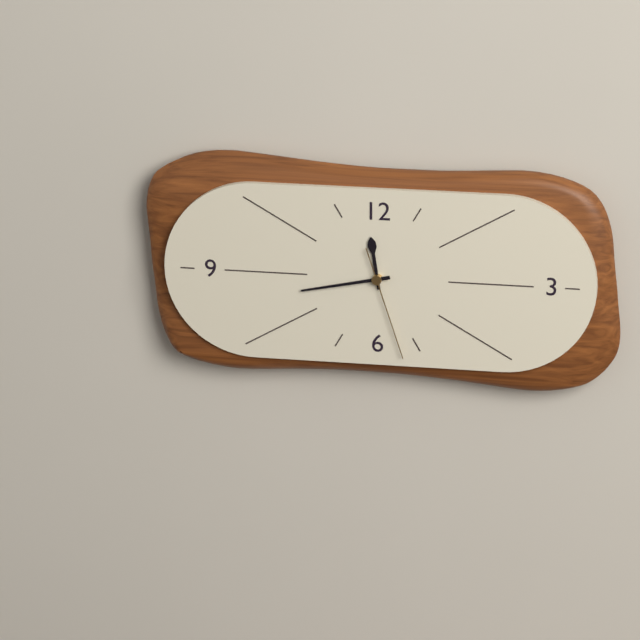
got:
11:43:27
